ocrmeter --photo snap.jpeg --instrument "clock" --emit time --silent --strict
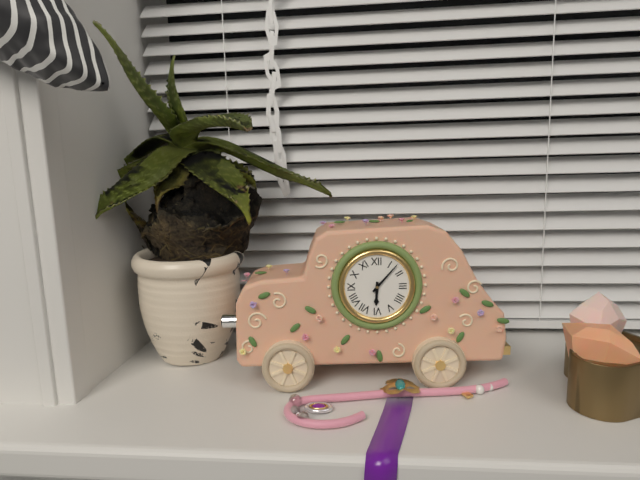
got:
6:07
